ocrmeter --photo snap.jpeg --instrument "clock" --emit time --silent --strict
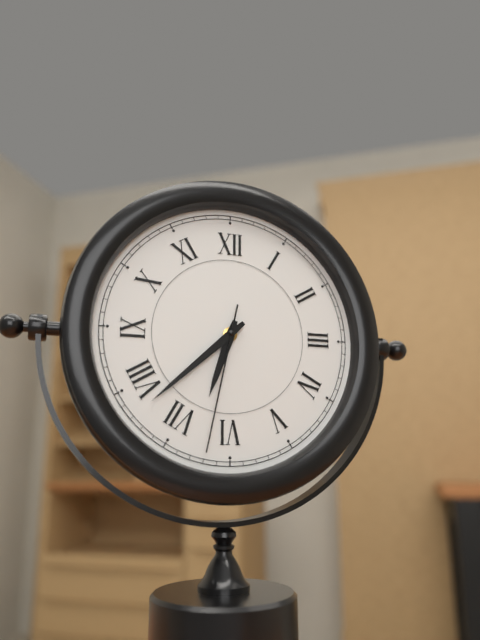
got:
6:38:32
